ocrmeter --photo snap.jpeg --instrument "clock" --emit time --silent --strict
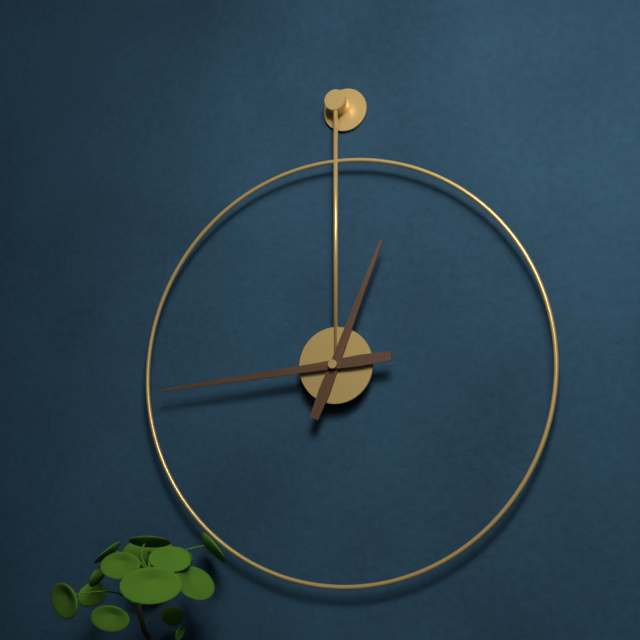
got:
12:44
